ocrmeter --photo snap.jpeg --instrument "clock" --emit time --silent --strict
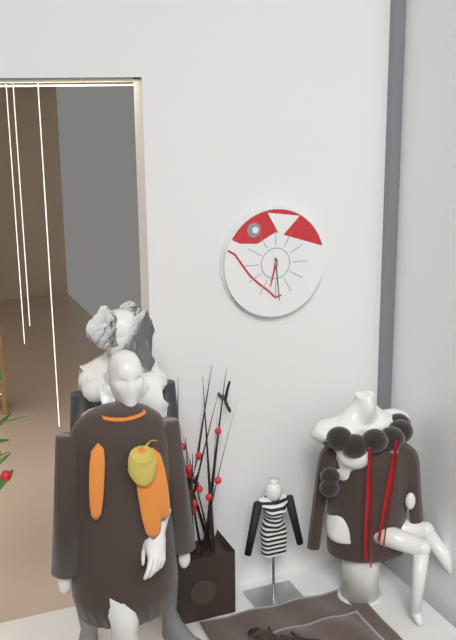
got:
6:29
